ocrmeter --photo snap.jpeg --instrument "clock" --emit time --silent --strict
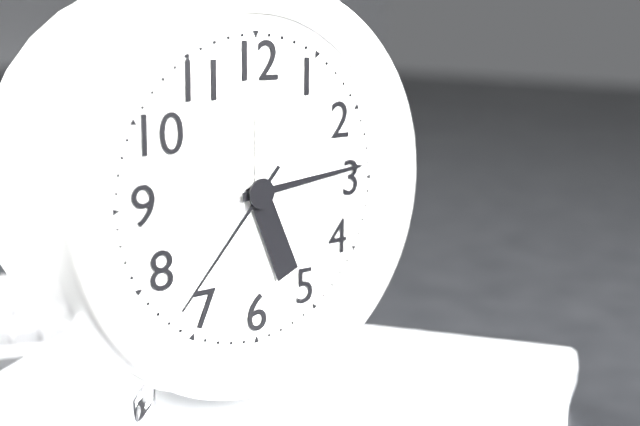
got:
5:14:37
